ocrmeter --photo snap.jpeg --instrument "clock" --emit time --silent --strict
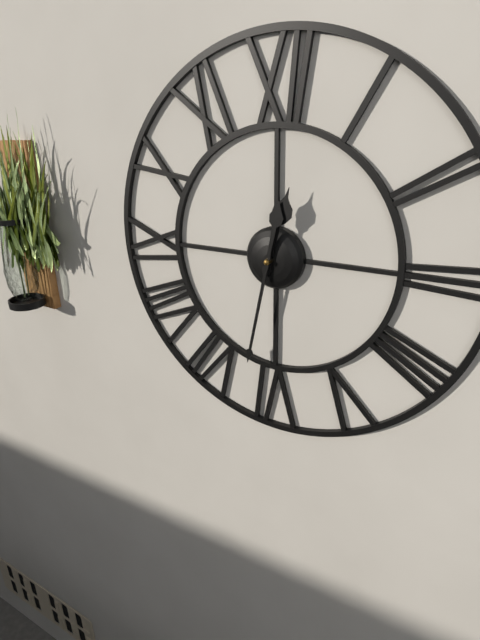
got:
12:32
